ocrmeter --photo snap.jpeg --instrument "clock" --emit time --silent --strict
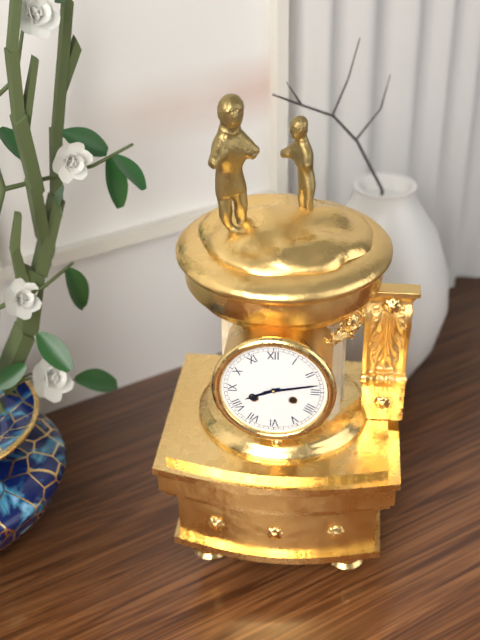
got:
8:13
